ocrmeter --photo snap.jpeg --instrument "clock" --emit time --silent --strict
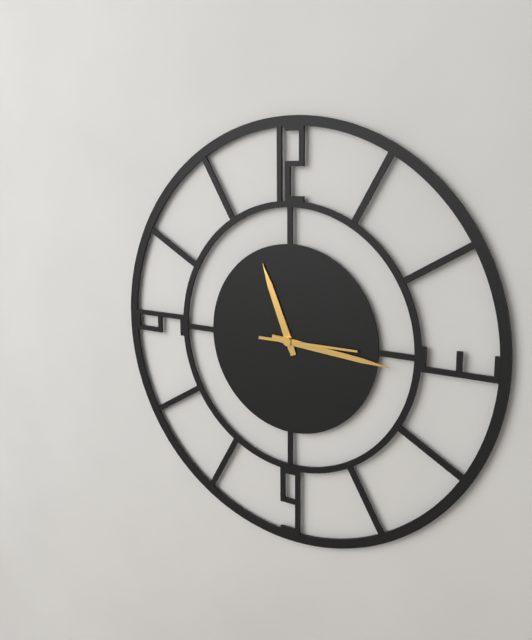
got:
11:16:15
